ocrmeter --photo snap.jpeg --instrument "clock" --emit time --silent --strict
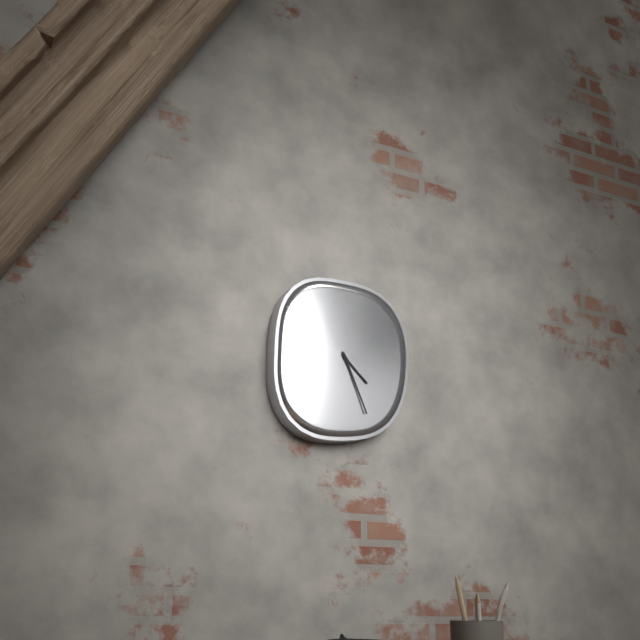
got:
4:26
